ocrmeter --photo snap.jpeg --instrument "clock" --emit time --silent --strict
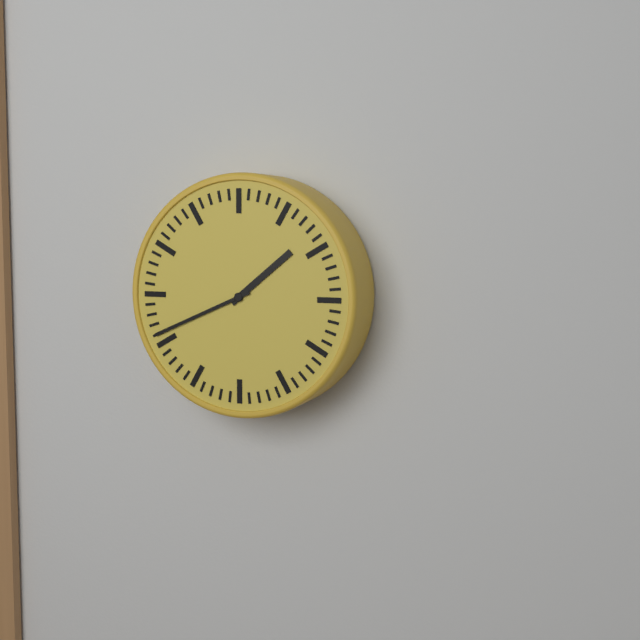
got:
1:41
